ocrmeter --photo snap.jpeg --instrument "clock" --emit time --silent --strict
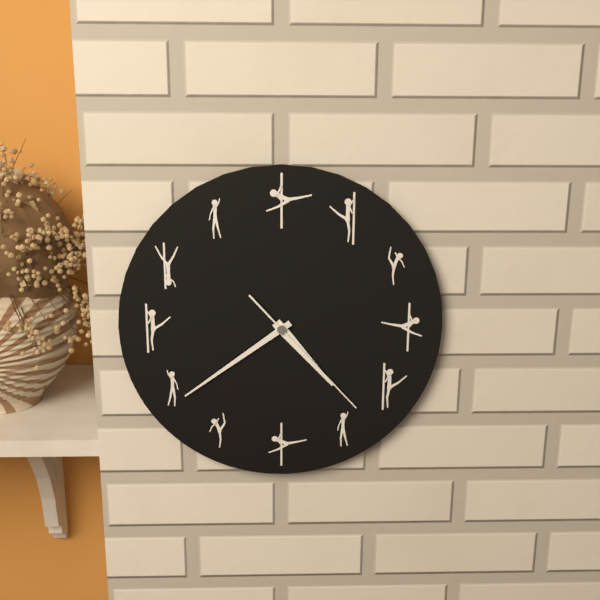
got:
4:39:23
